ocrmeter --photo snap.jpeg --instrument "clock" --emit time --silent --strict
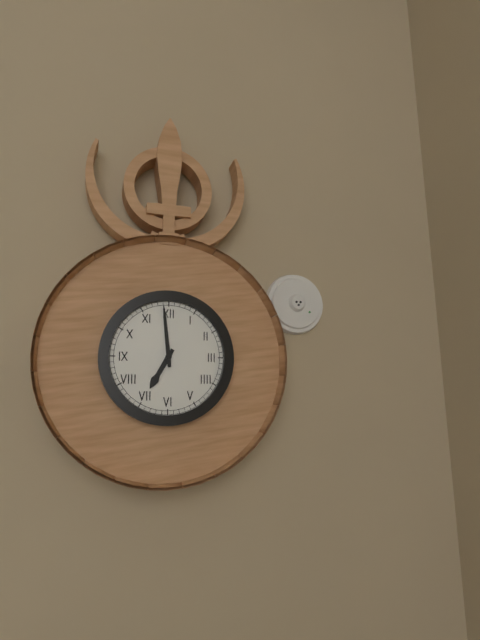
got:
6:59
